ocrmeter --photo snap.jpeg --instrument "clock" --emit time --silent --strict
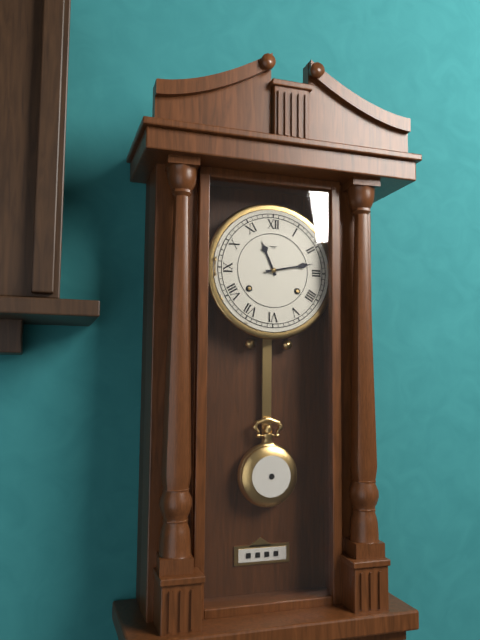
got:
11:13
